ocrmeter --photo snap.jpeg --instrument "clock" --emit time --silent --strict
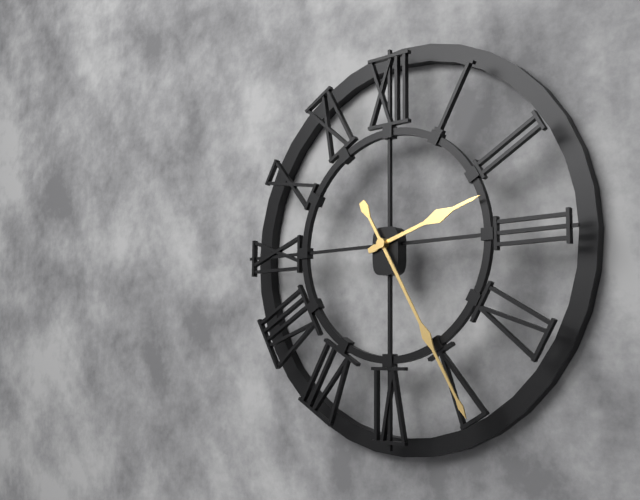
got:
2:25
